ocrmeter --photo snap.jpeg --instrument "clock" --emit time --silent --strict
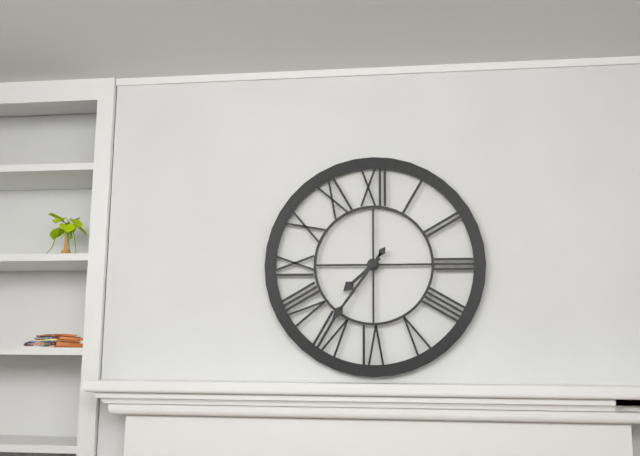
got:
7:36
